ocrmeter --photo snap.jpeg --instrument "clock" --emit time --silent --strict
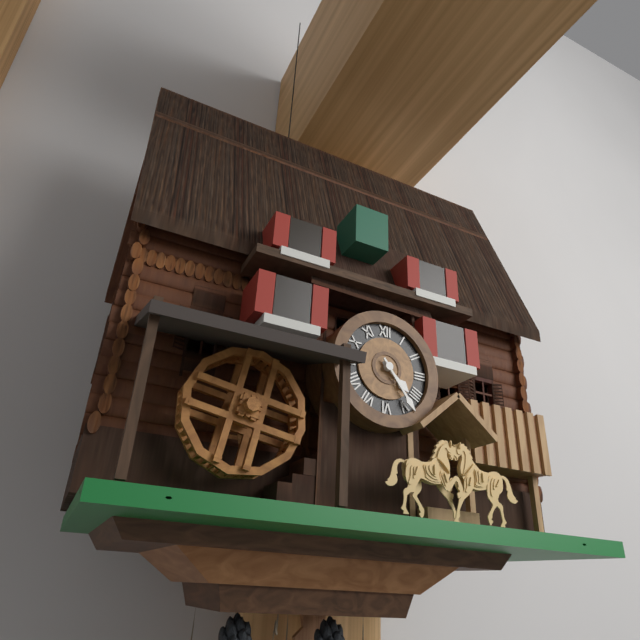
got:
4:24
